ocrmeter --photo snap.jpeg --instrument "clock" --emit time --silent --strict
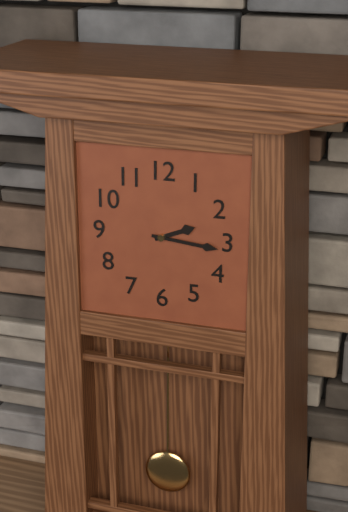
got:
2:16
